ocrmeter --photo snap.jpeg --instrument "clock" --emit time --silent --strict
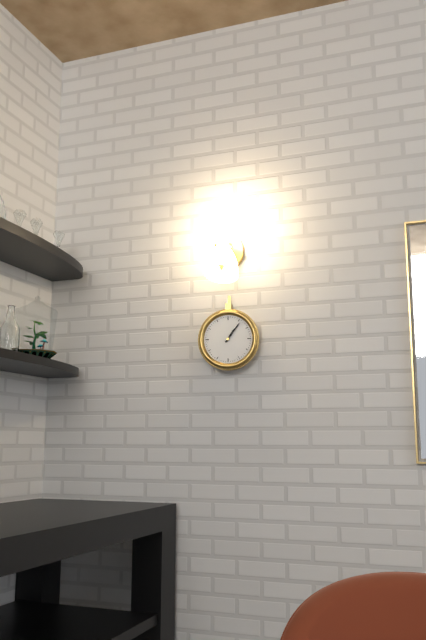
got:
1:06
